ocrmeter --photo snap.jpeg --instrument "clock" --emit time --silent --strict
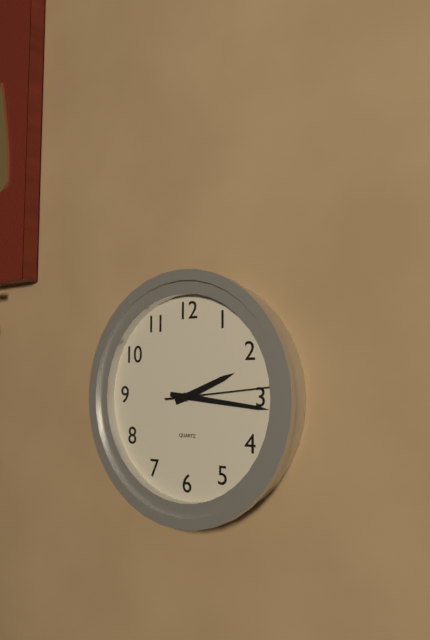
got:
2:16:14
